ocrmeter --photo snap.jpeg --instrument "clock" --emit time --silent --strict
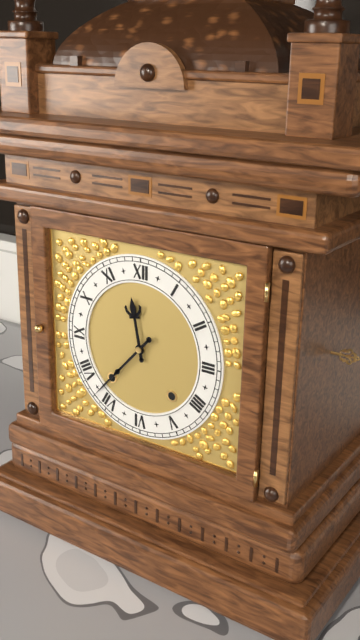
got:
11:37
